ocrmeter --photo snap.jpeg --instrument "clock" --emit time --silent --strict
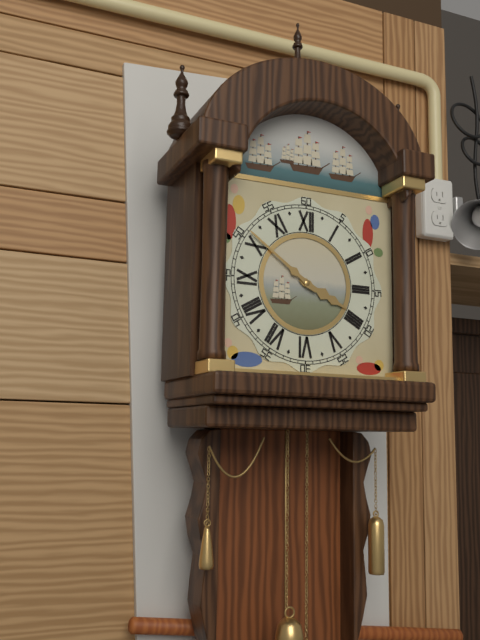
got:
3:51
